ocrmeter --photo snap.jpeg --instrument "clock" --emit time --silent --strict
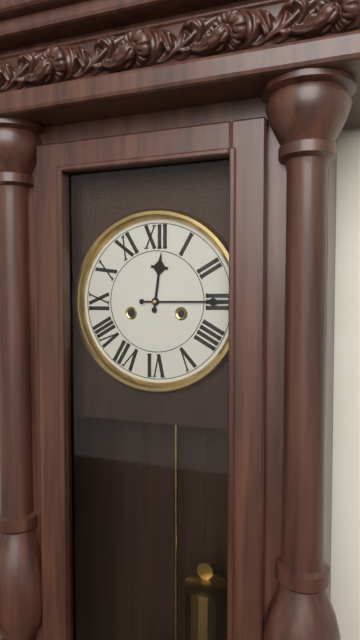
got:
12:15
